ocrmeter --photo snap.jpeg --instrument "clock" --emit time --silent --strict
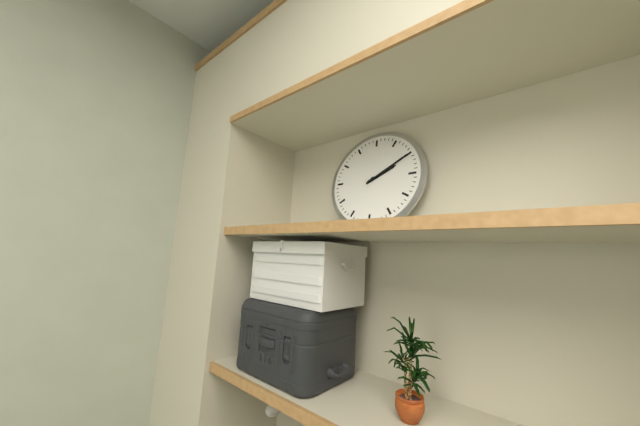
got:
2:10
